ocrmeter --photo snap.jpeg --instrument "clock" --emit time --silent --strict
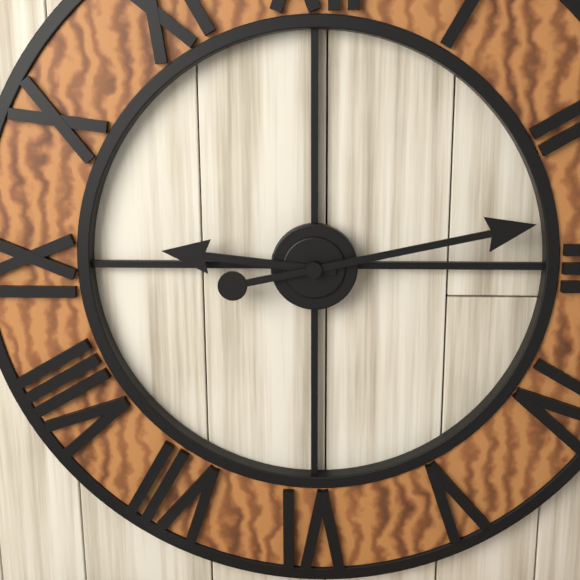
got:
9:13
